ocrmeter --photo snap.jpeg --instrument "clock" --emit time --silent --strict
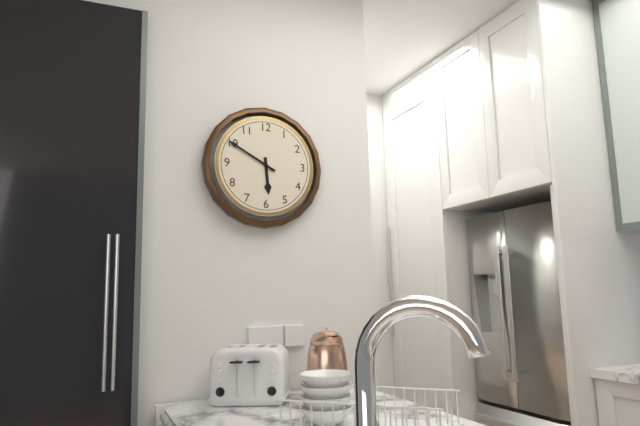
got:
5:50
